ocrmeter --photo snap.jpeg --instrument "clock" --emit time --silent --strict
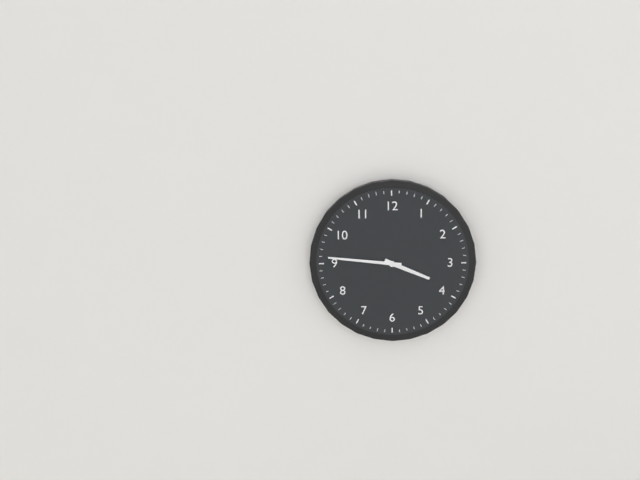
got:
3:46
